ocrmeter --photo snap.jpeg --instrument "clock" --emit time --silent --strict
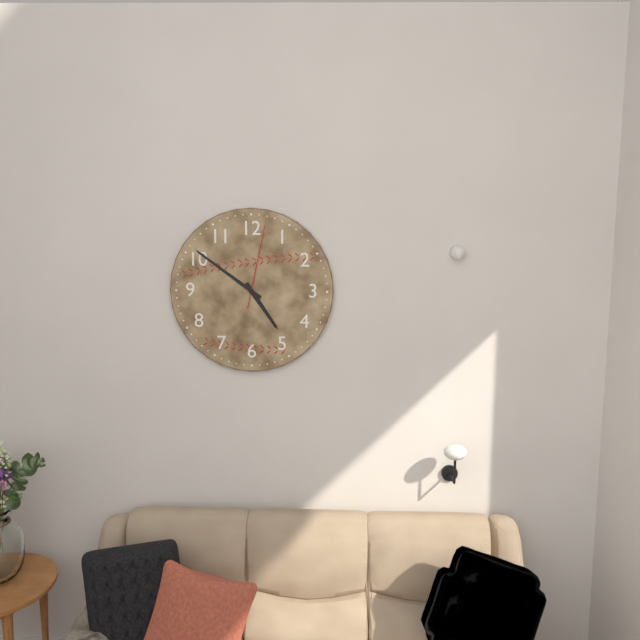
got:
4:51:02
